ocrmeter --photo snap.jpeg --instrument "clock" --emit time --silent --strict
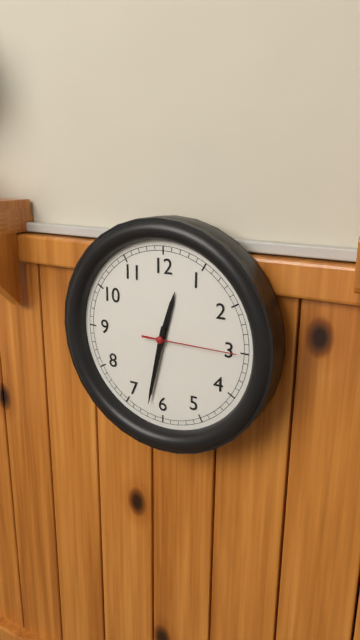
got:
12:32:15
